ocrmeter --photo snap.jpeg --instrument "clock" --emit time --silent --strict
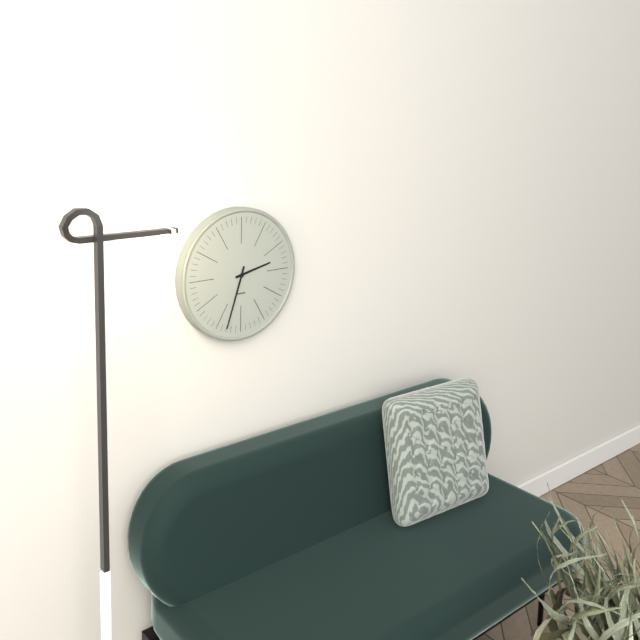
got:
2:33
